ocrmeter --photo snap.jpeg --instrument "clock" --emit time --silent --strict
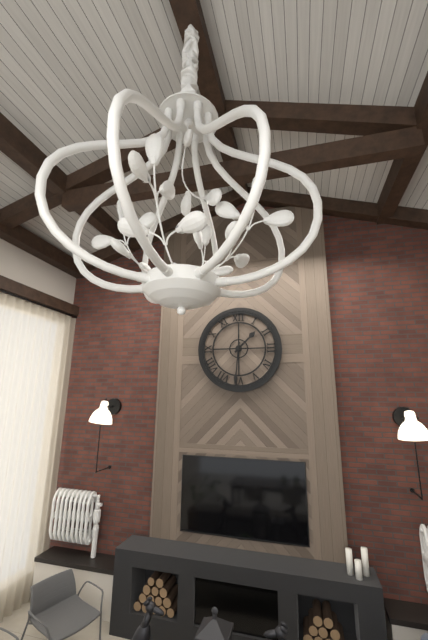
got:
1:31
